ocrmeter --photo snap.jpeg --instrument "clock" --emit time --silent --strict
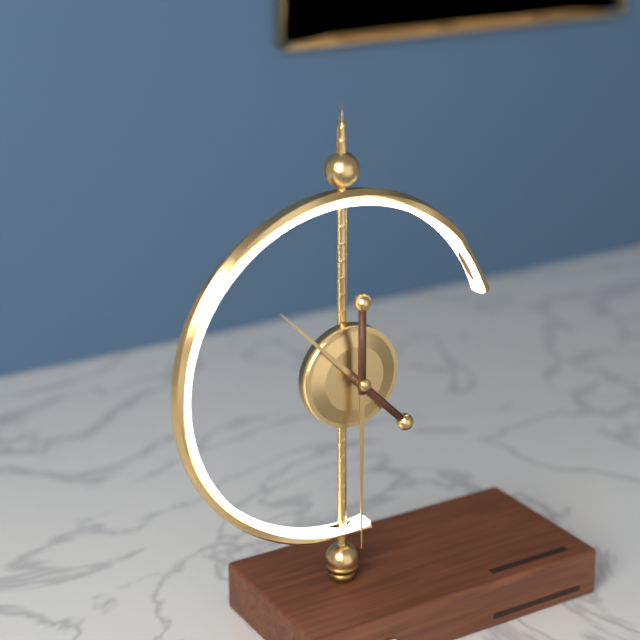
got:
10:30
